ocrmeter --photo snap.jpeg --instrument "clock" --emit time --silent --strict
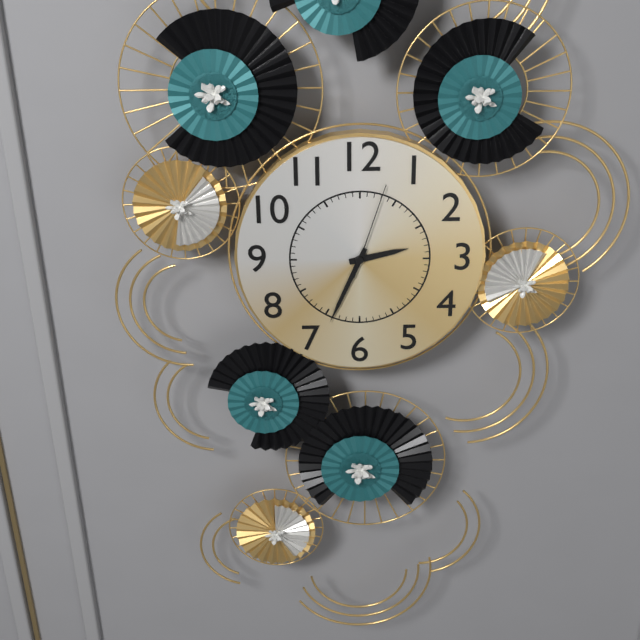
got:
2:34:03
